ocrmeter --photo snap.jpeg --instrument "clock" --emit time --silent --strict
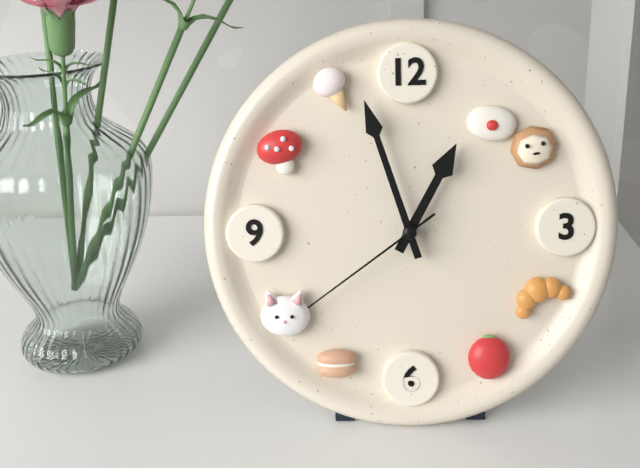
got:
12:57:39
